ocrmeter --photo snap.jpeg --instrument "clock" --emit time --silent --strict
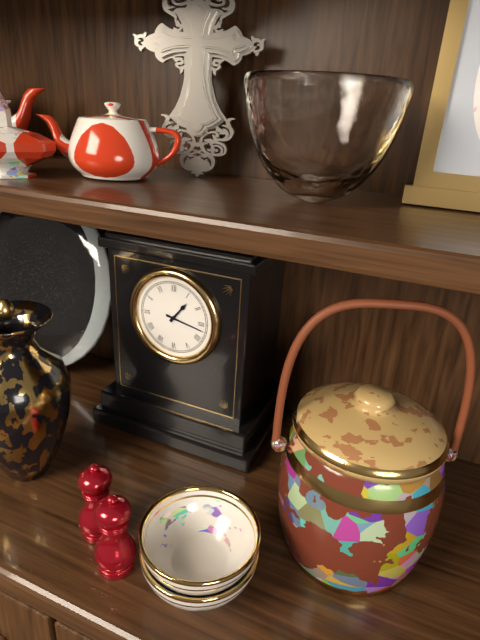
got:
1:17
